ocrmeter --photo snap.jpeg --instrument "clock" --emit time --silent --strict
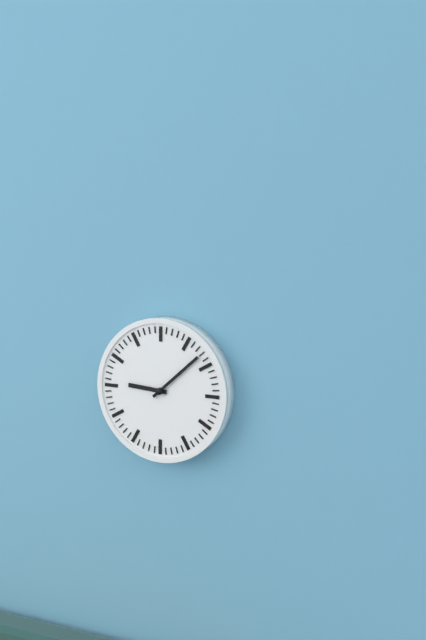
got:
9:08
